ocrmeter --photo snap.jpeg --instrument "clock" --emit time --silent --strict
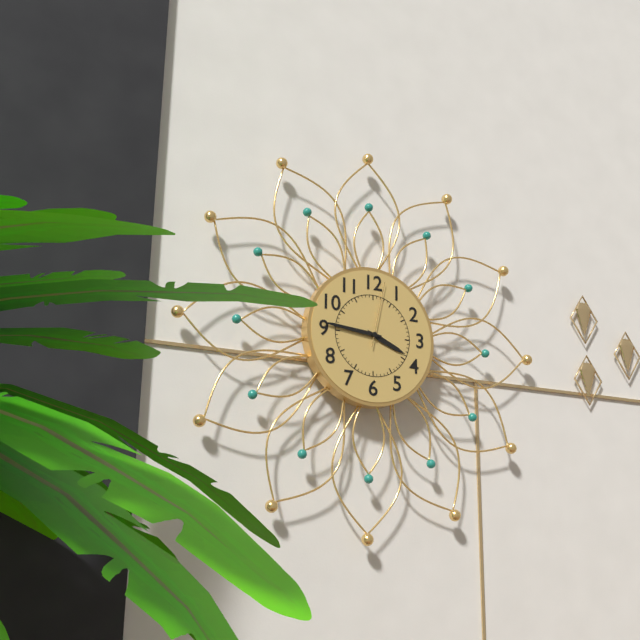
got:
3:46:02
